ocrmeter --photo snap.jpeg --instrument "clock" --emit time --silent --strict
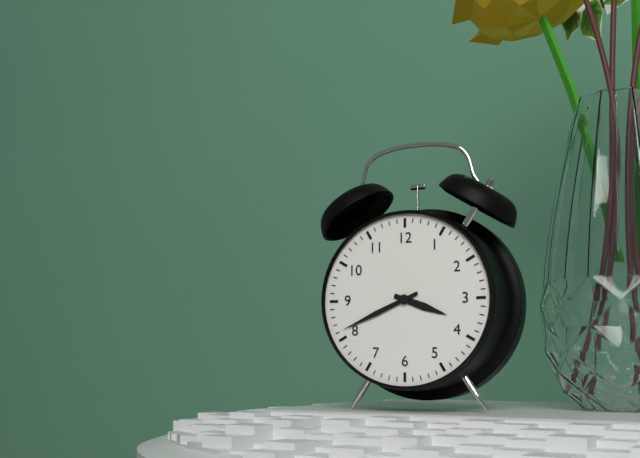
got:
3:41
